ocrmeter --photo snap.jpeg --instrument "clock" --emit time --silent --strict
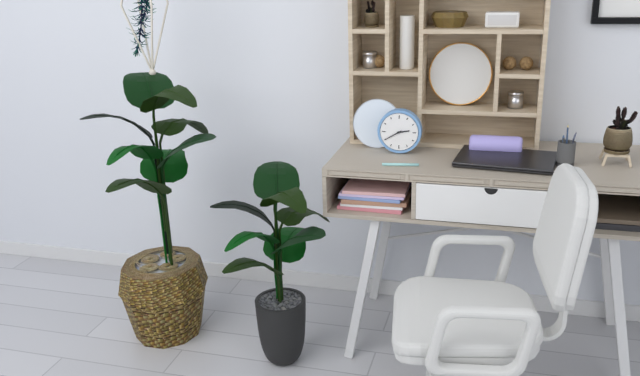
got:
2:40
